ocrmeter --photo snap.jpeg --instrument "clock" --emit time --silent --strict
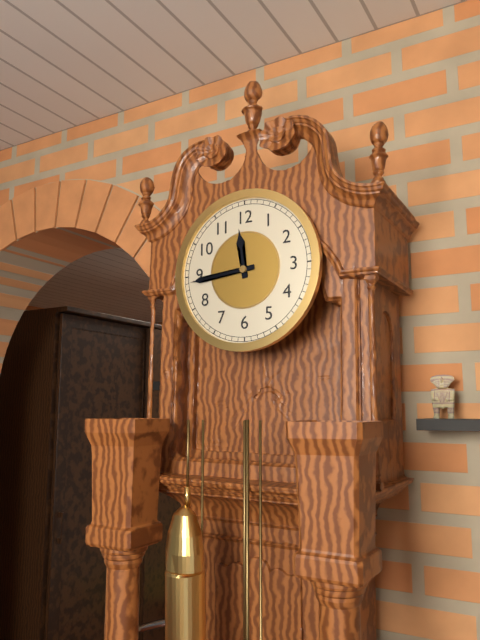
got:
11:44
